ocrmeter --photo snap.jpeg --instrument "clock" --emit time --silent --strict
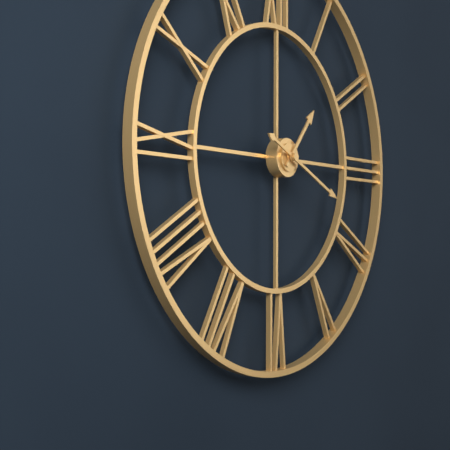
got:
1:19
